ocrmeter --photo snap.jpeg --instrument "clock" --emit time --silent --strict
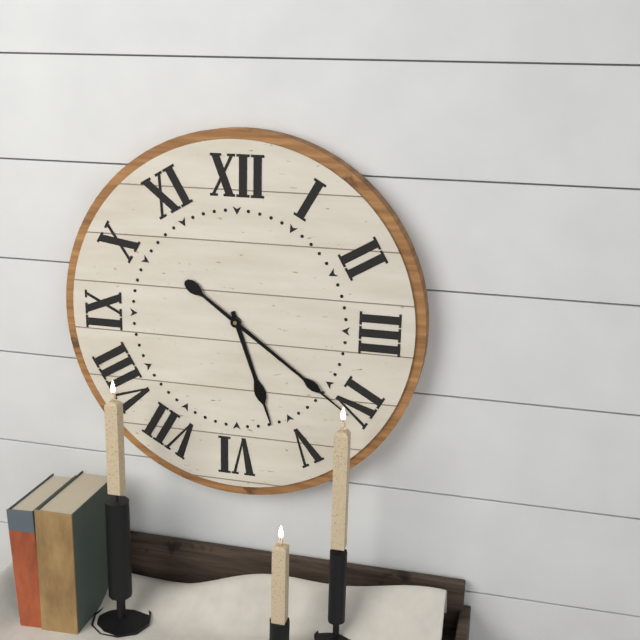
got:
5:21
